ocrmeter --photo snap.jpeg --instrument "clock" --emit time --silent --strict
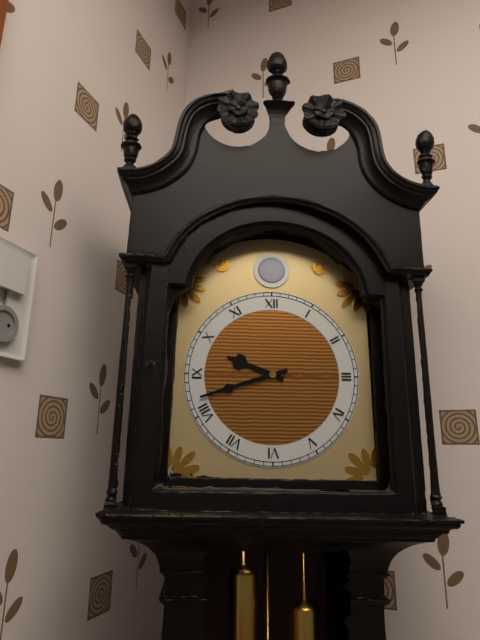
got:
9:42
